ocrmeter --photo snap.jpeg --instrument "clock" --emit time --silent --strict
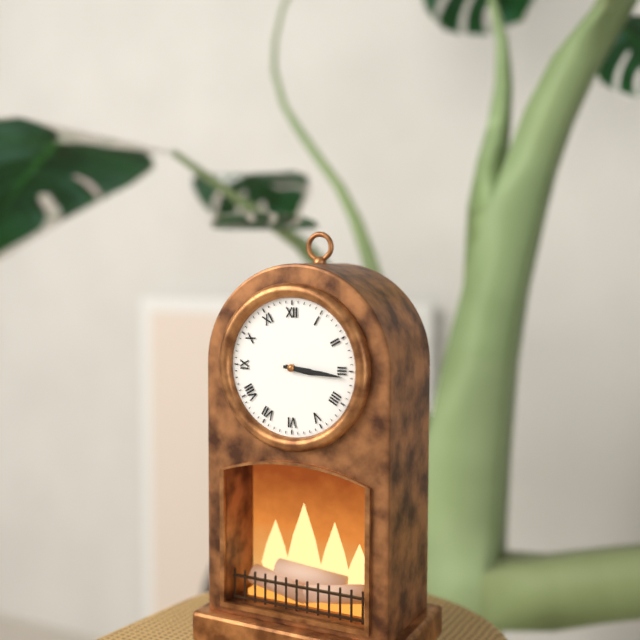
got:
3:16
